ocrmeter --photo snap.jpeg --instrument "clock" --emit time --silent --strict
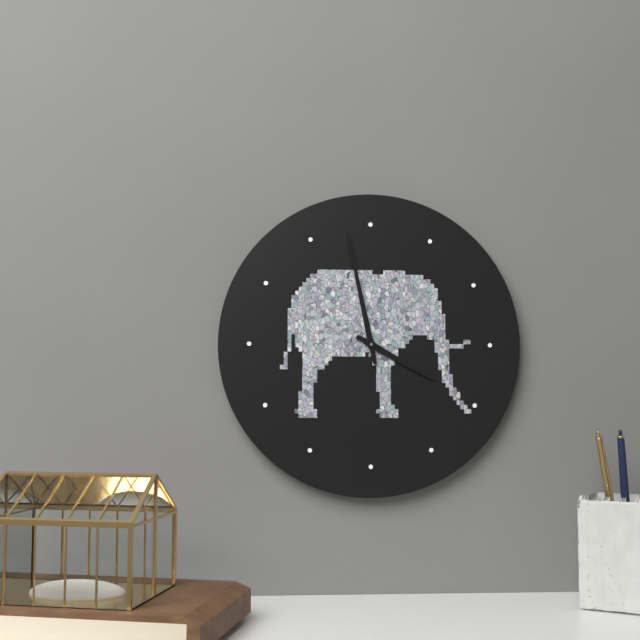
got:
3:58
